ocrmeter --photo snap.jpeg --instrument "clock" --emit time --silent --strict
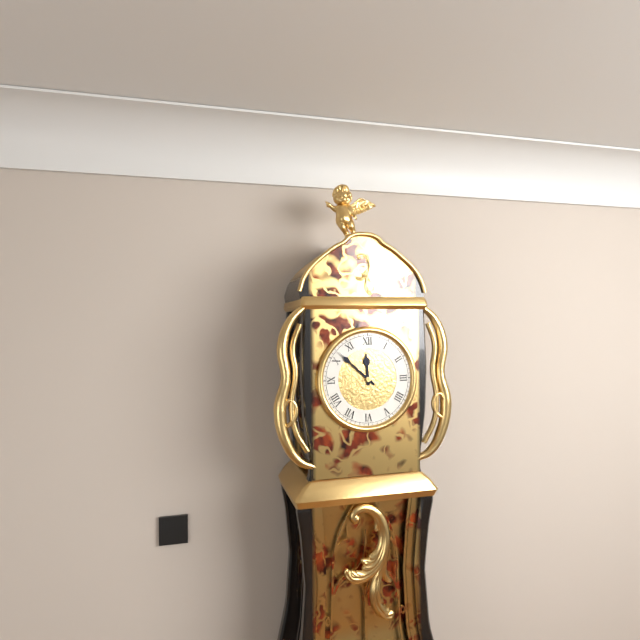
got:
11:52
